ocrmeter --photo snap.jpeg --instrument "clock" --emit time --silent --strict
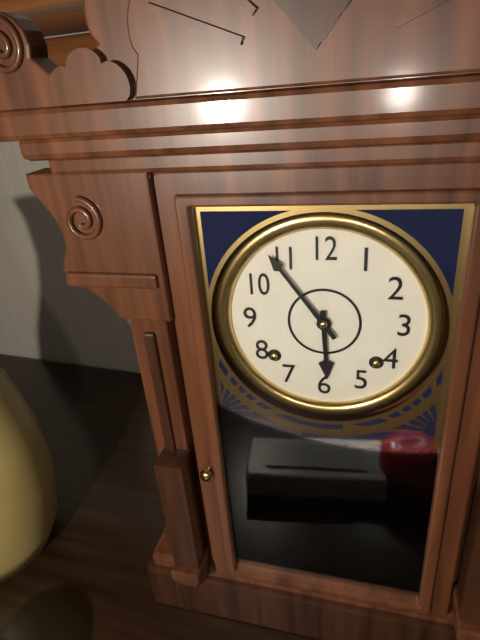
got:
5:54
